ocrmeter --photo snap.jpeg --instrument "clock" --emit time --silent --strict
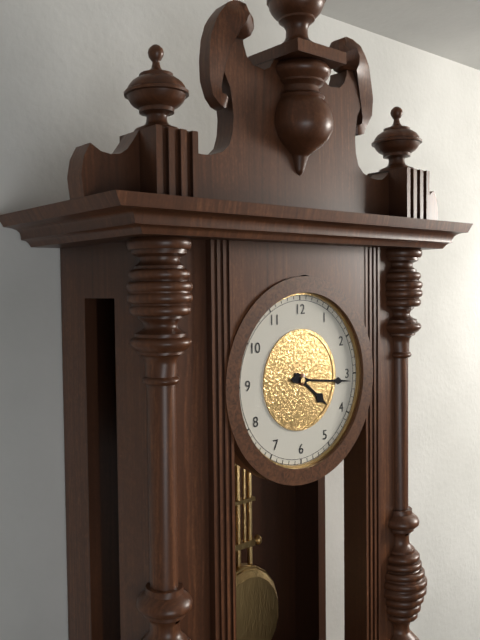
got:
4:16
